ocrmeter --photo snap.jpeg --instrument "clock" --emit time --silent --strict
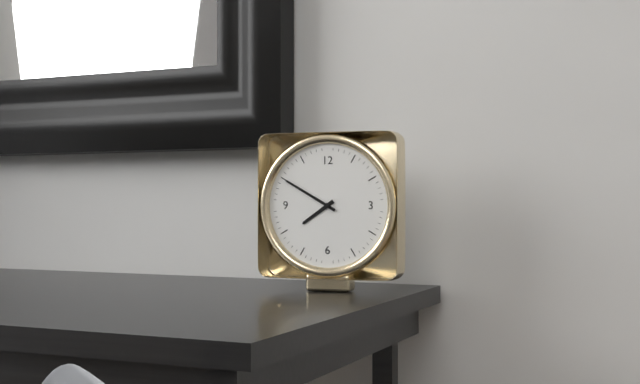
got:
7:50
